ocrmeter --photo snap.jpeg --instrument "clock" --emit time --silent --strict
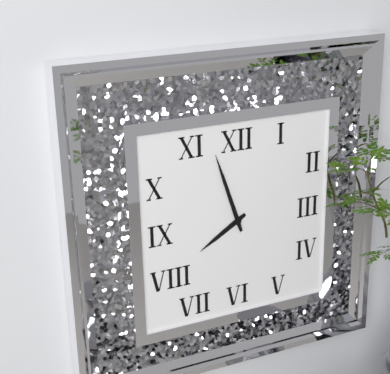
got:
7:57
